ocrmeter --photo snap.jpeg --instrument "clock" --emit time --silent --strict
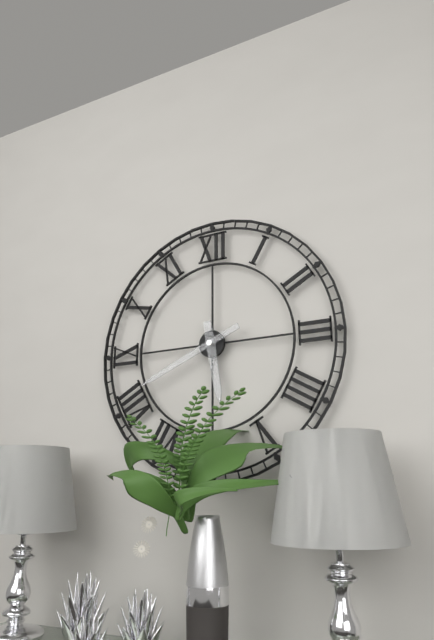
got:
5:41
